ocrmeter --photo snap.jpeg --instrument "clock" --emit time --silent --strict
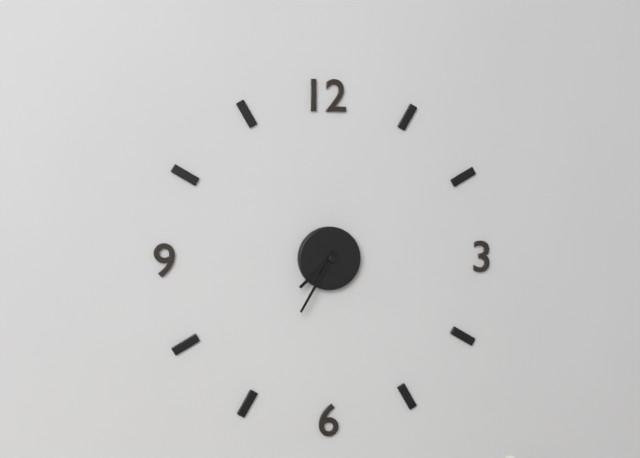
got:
7:35
